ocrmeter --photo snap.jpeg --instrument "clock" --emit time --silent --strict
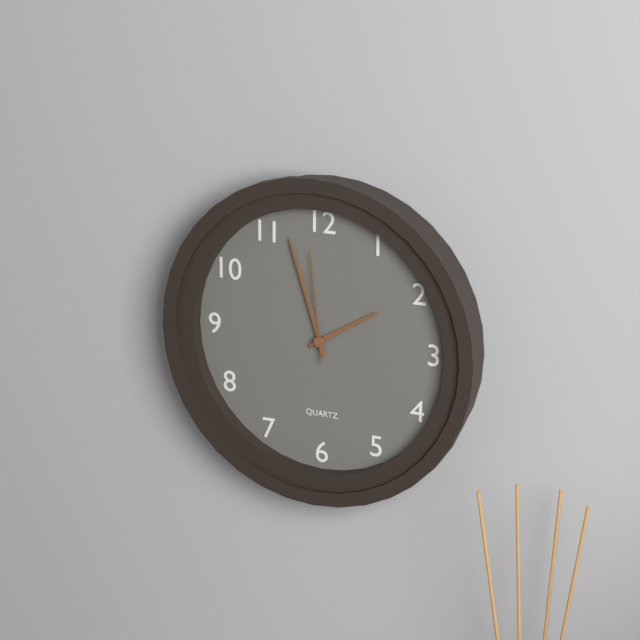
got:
1:57:59
